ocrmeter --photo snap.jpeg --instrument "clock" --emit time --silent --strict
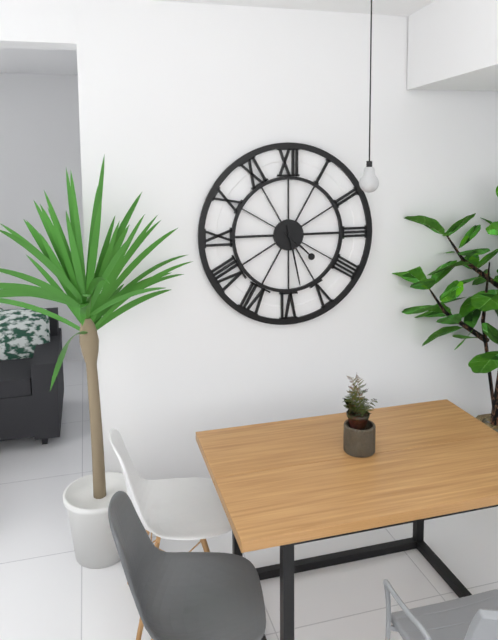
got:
4:28
